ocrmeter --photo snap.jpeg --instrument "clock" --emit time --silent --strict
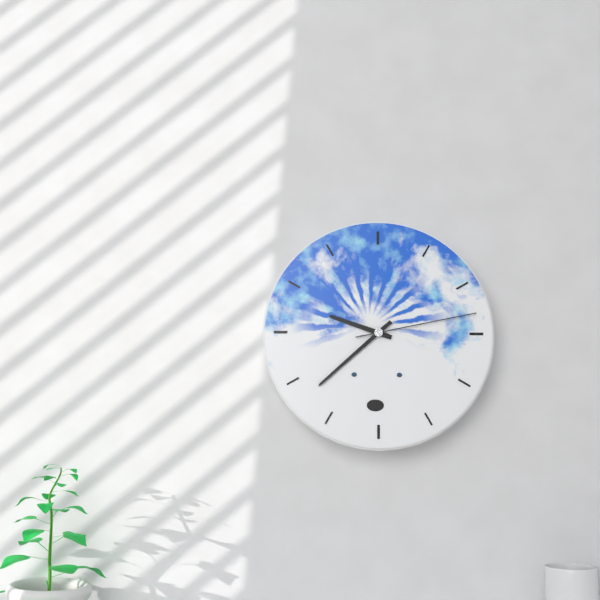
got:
9:38:13
